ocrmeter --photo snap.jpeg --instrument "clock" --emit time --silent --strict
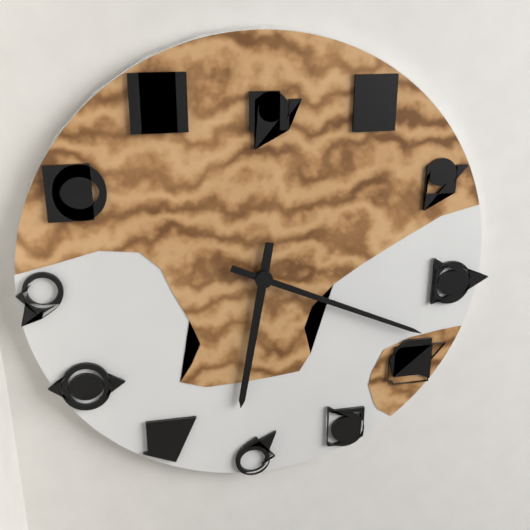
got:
6:19
